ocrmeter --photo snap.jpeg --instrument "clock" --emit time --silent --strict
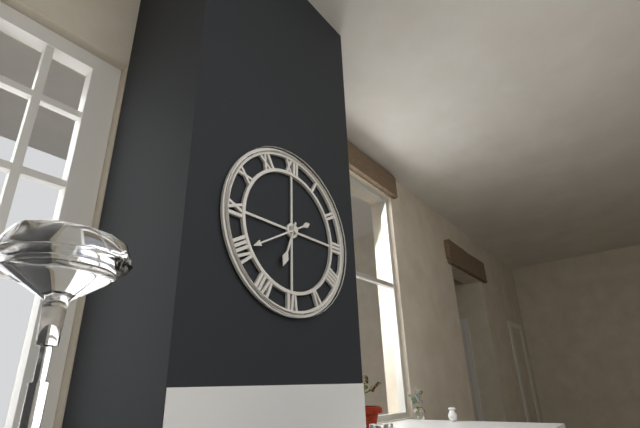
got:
6:40
